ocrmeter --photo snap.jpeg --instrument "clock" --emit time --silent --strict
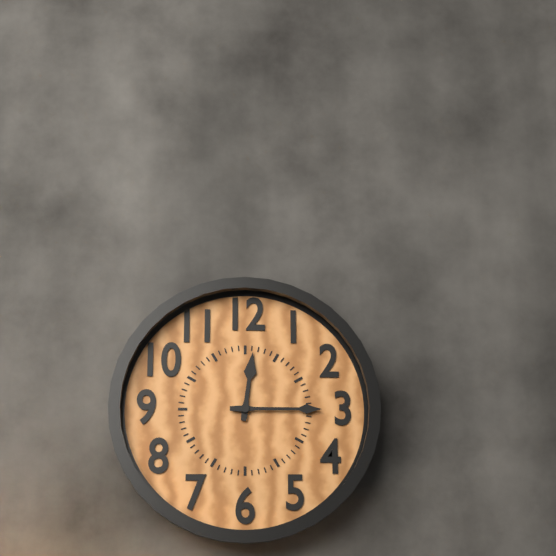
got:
12:15
